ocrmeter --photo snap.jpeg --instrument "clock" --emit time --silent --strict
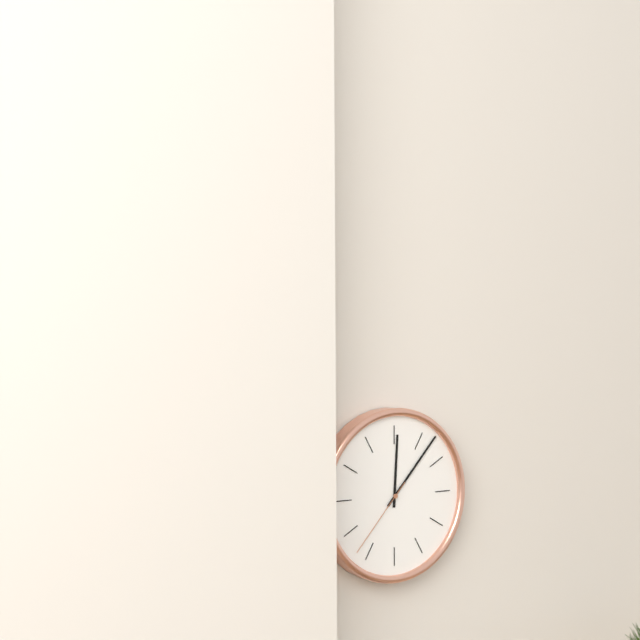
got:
12:07:37
